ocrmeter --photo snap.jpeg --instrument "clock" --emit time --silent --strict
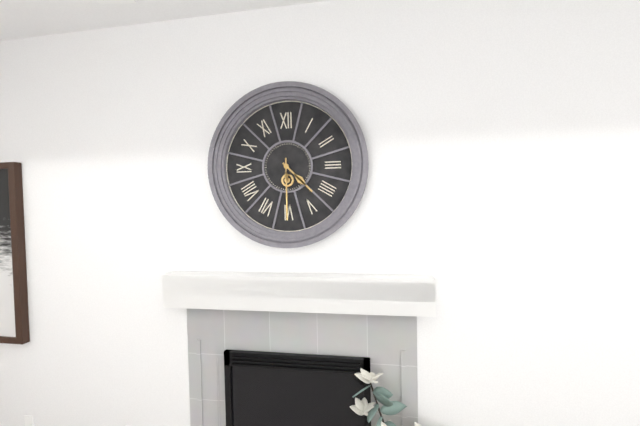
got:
4:30
